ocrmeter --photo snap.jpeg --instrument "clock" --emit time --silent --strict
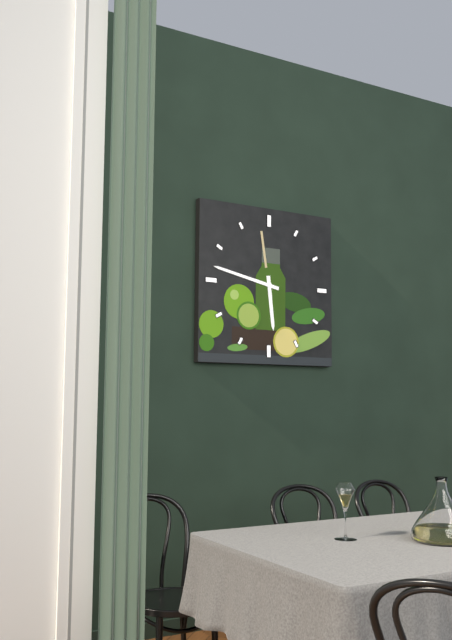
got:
5:47
